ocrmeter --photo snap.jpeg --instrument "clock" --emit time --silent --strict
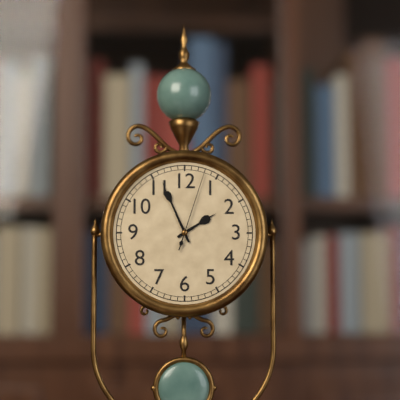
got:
1:56:03
